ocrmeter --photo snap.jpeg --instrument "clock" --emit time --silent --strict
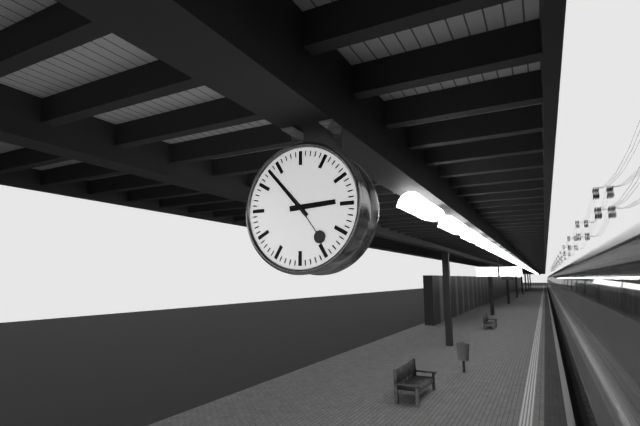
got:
2:53
